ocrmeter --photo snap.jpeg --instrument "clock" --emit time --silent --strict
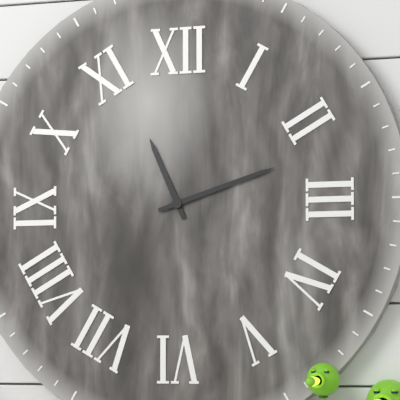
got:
11:12
